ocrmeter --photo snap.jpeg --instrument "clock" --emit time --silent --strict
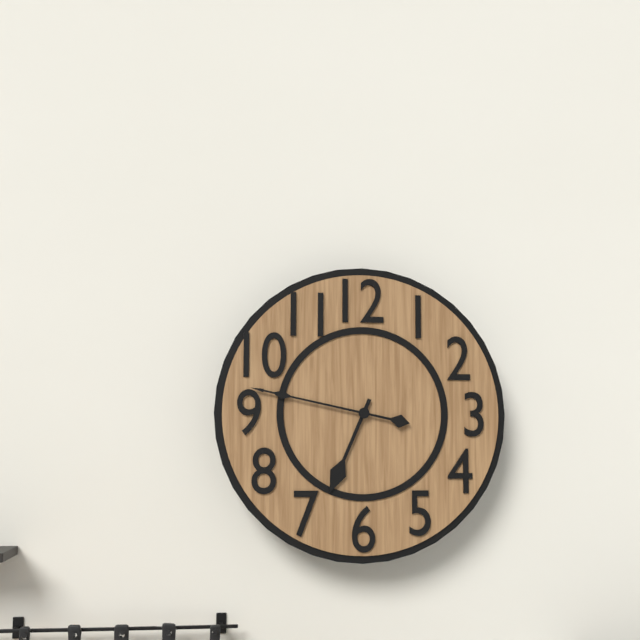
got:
6:47
